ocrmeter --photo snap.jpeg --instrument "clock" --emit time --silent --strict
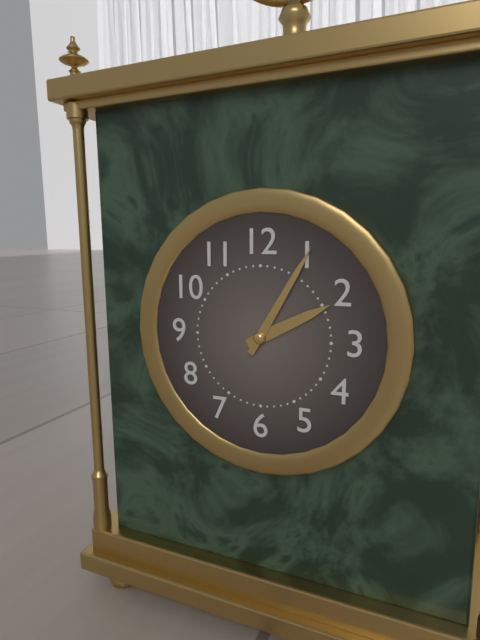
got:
2:05
